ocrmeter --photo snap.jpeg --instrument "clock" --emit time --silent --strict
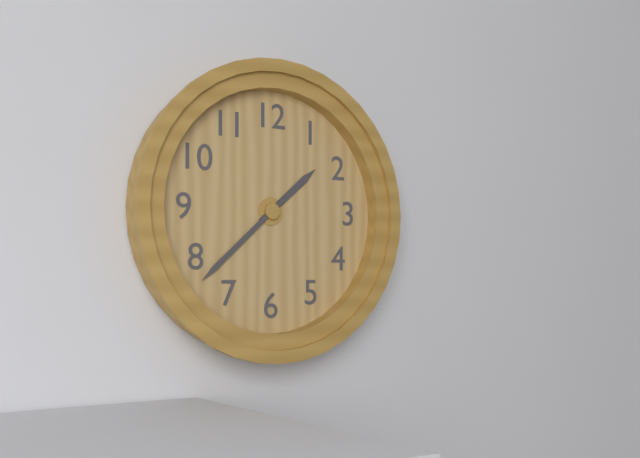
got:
1:38
